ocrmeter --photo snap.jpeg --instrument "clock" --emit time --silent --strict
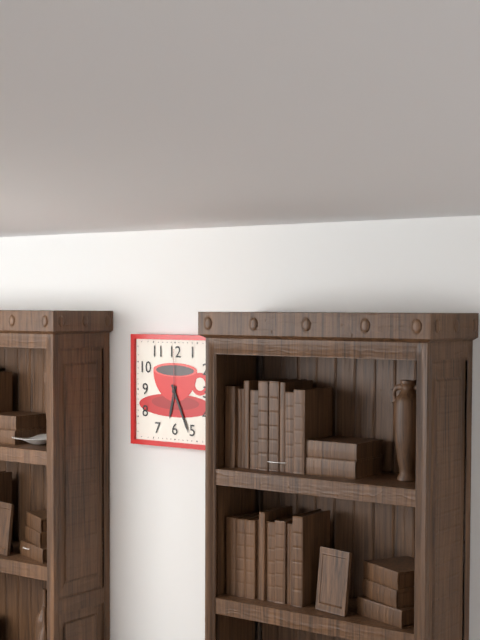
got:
6:26:00
